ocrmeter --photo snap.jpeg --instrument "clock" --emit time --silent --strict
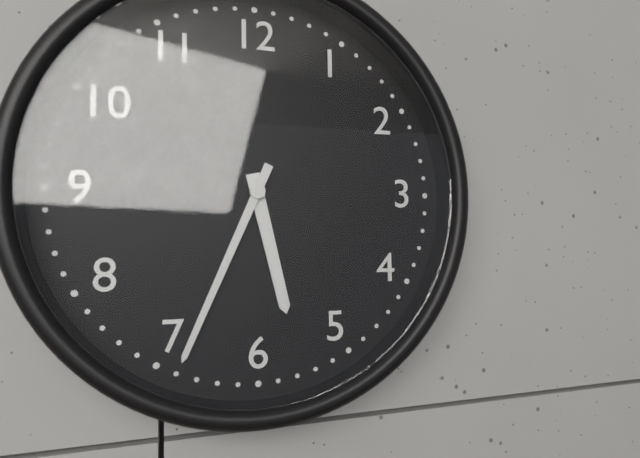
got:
5:34
